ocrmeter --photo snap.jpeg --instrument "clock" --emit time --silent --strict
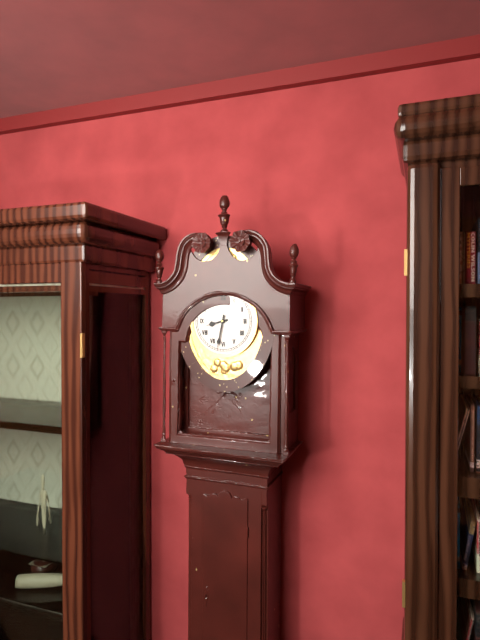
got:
8:32
